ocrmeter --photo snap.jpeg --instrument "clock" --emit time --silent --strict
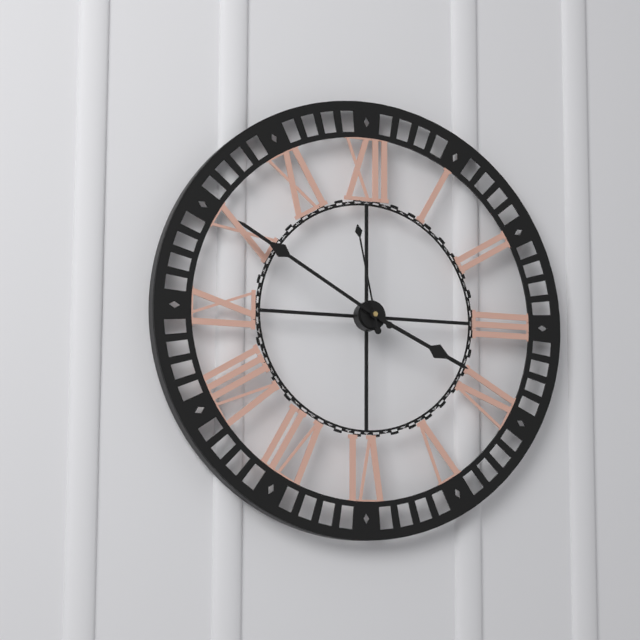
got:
3:50:58
